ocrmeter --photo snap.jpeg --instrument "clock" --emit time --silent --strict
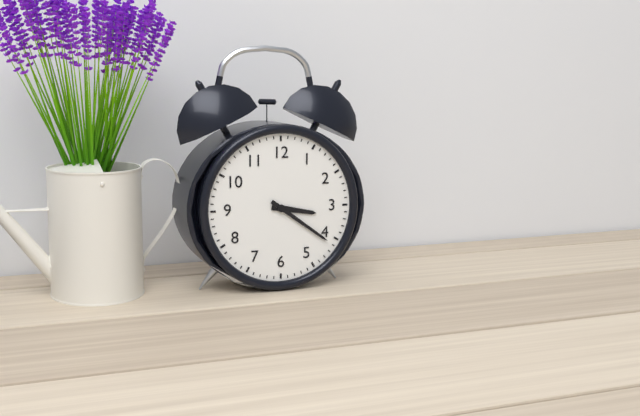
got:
3:21
